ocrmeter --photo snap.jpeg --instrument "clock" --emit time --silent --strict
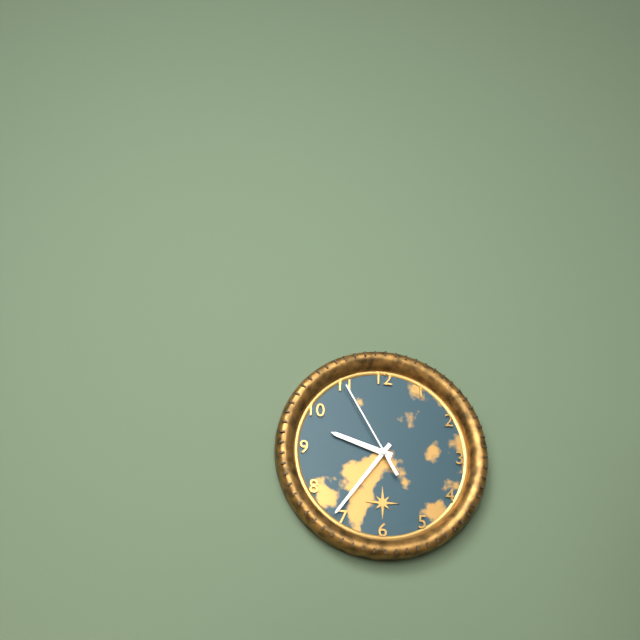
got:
9:36:55
